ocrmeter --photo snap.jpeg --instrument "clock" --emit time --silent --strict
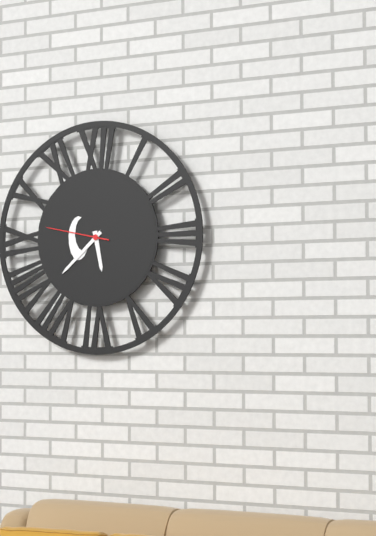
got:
5:38:47
